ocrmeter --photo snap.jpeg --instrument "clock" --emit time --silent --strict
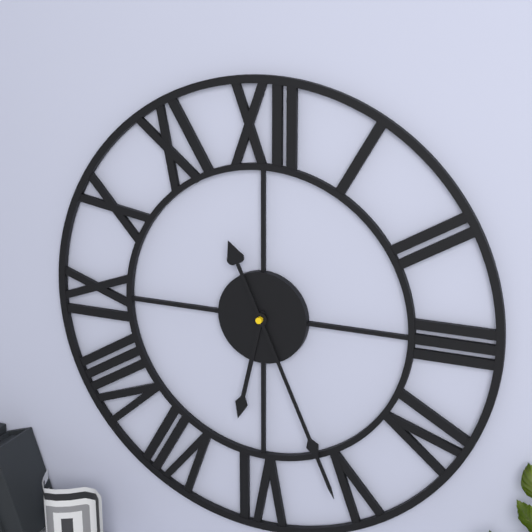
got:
6:26
